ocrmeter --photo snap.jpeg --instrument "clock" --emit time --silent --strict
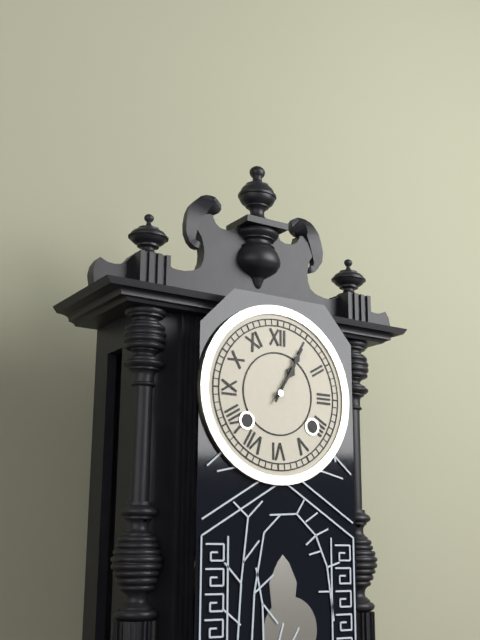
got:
1:05
